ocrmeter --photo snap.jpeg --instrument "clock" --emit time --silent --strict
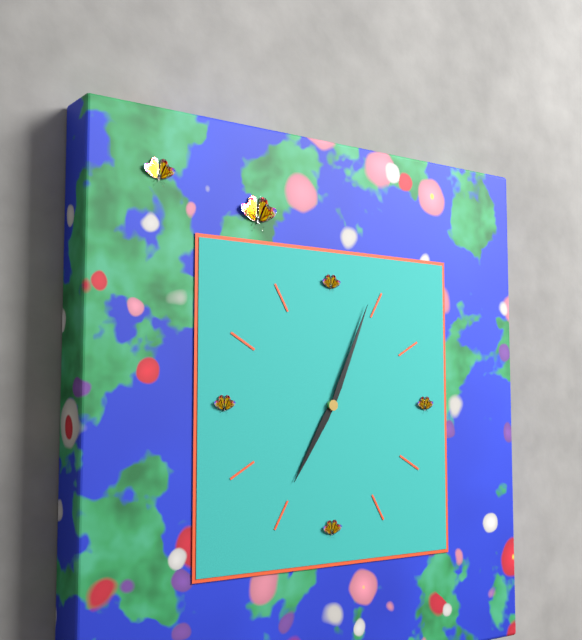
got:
7:04
